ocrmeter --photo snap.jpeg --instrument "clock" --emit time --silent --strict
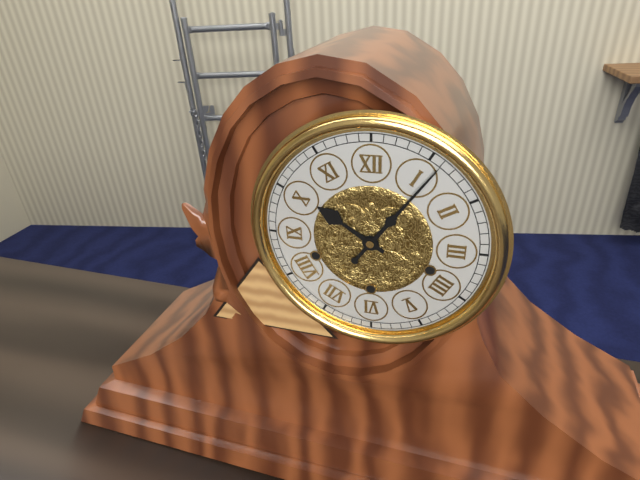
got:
10:06
